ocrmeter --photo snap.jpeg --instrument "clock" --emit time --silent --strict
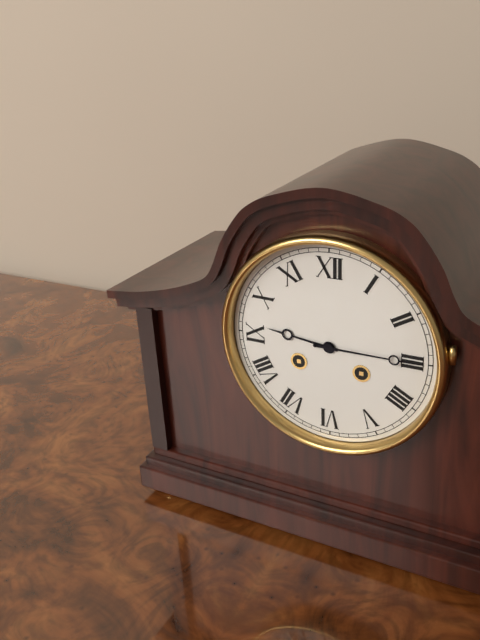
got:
9:15
